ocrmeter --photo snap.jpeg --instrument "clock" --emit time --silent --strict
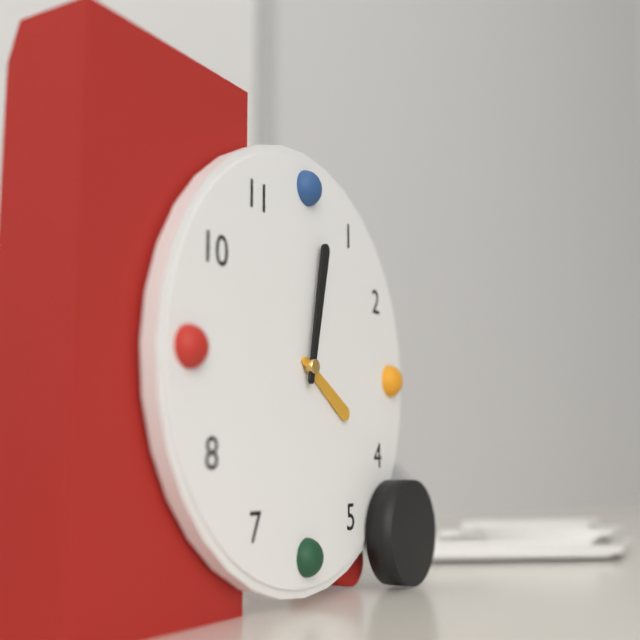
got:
4:02
